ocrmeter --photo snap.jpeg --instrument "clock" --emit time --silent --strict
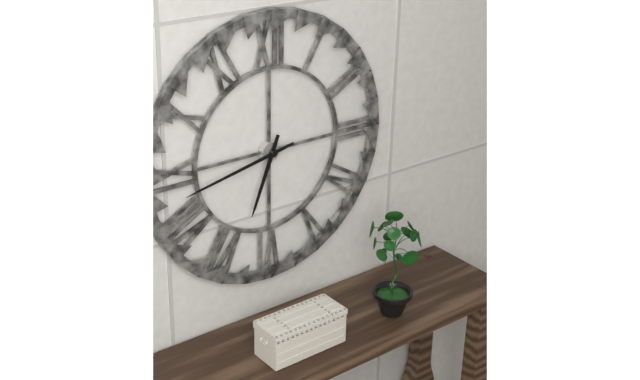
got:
6:43
